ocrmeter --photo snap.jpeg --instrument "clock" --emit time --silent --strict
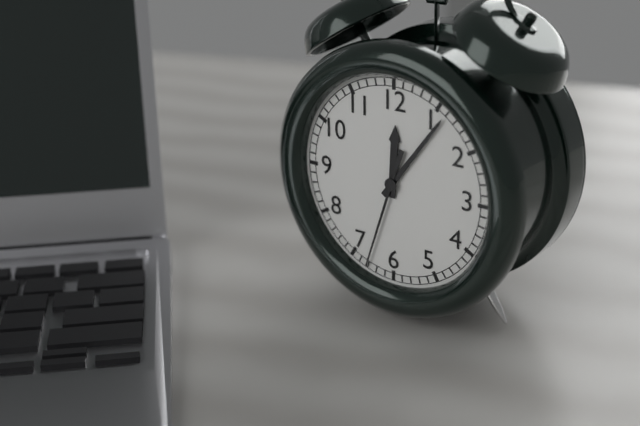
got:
12:06:33
